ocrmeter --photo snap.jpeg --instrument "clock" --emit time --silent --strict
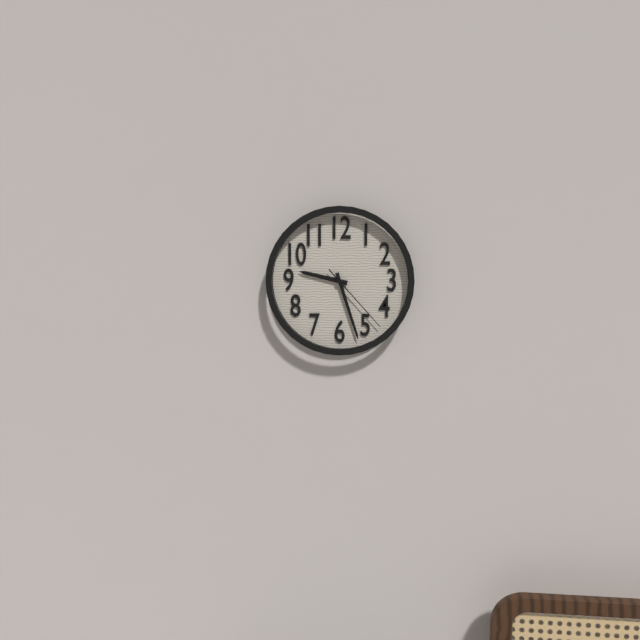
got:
9:27:23
